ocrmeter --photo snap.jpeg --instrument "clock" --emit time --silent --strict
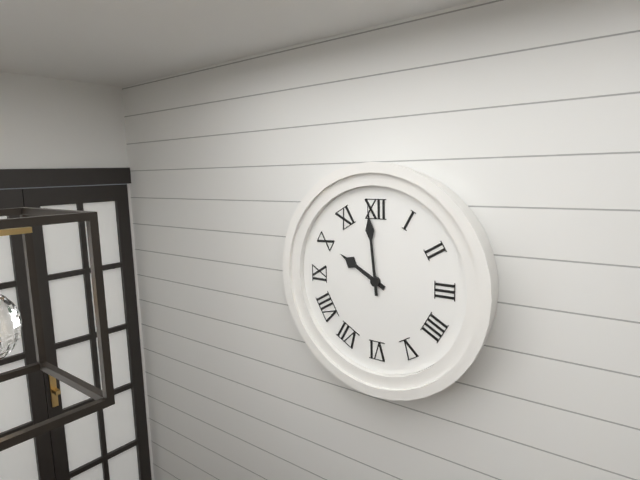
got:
9:59
